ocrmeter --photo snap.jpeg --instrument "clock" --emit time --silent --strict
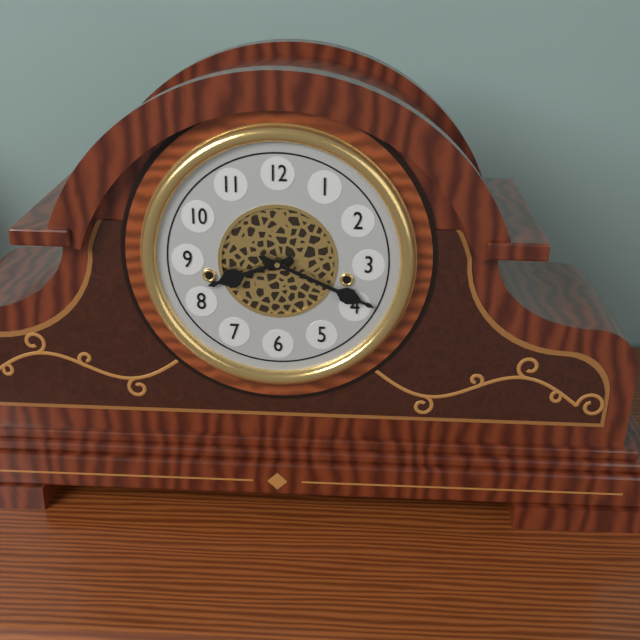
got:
8:19
